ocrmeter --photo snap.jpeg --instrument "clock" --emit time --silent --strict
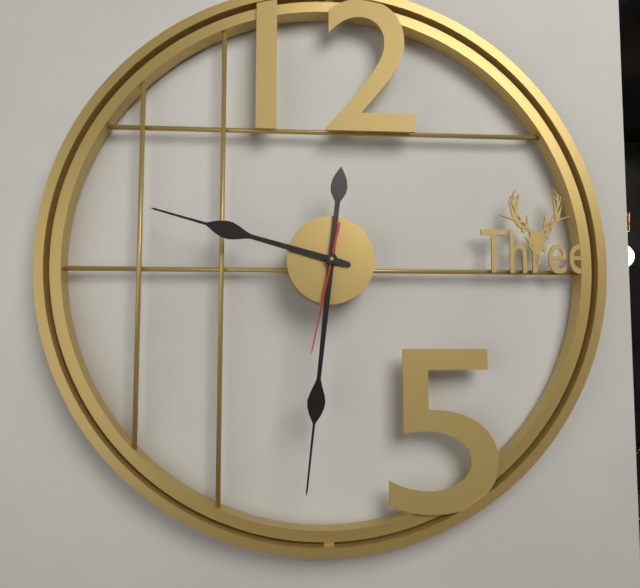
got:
9:31:32
